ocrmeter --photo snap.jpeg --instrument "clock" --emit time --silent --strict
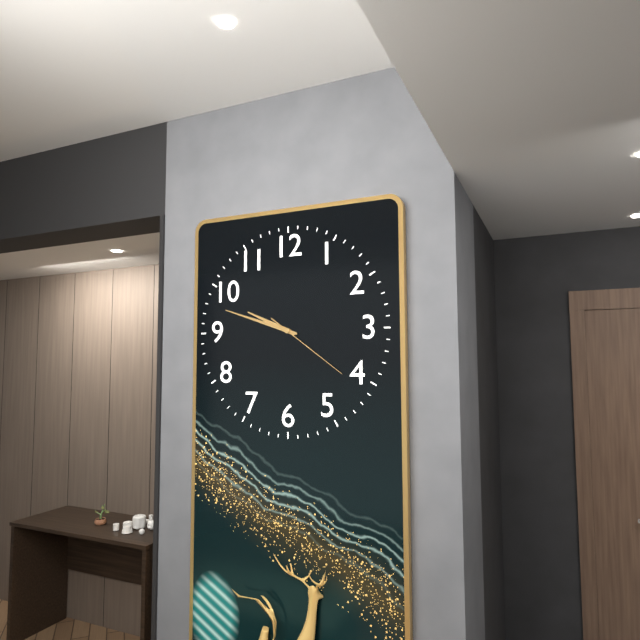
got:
9:48:21
